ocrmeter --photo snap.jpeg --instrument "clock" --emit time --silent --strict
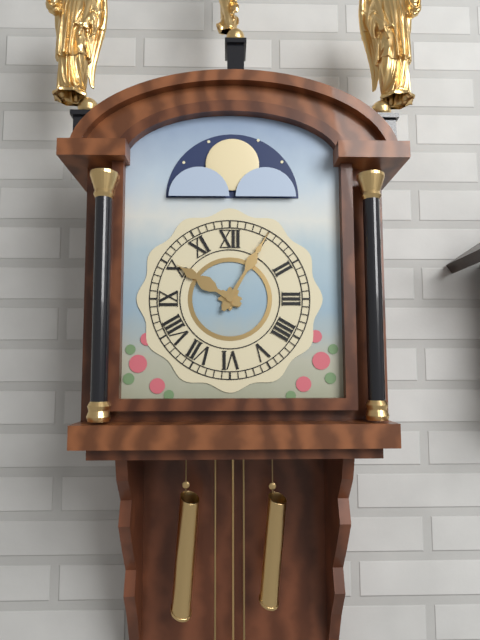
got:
10:05
